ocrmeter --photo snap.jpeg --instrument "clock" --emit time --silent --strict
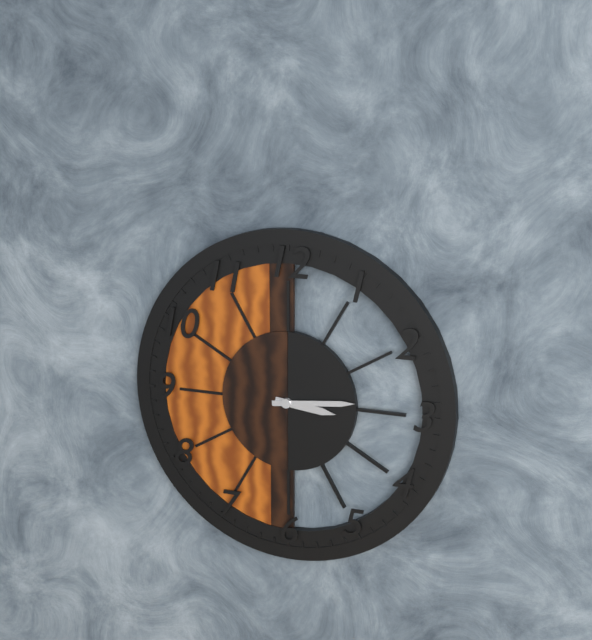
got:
3:14
